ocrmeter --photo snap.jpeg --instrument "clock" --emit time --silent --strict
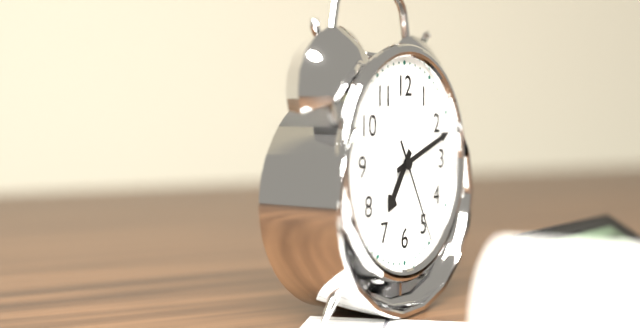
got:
7:12:25
